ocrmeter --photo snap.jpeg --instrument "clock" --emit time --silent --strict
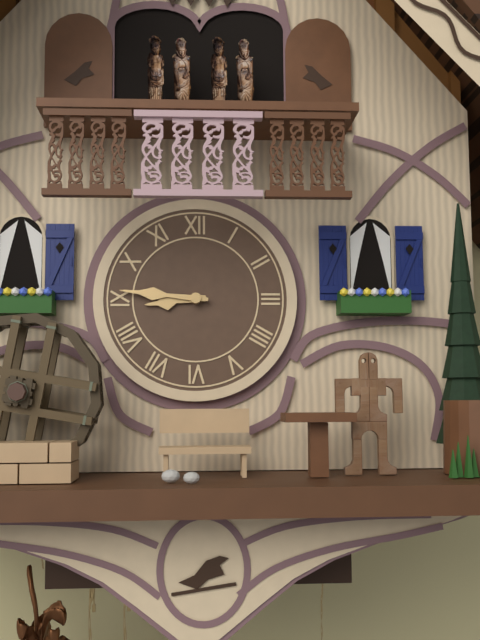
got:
8:46
